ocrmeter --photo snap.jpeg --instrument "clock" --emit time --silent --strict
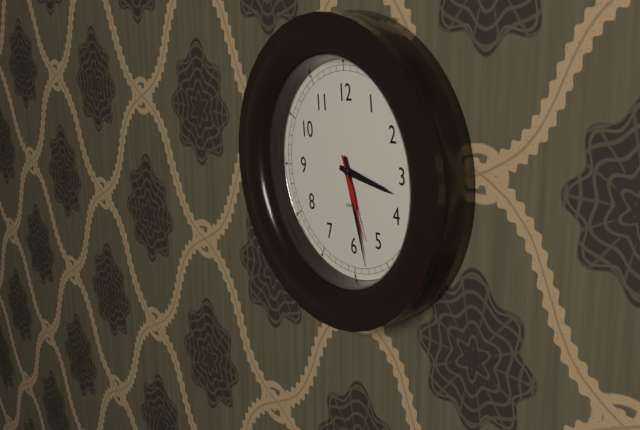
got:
3:28:27
